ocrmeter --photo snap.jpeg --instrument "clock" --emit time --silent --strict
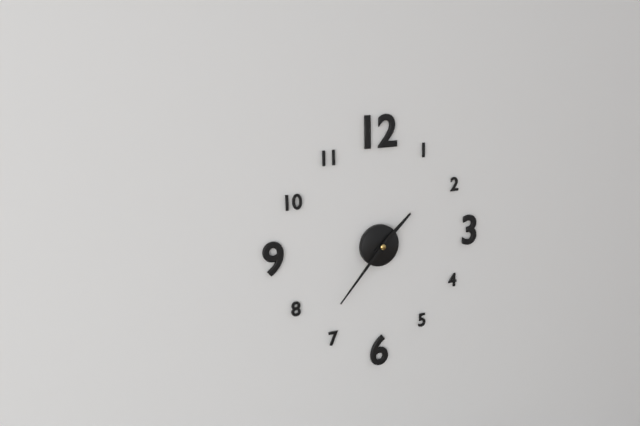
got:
1:37
